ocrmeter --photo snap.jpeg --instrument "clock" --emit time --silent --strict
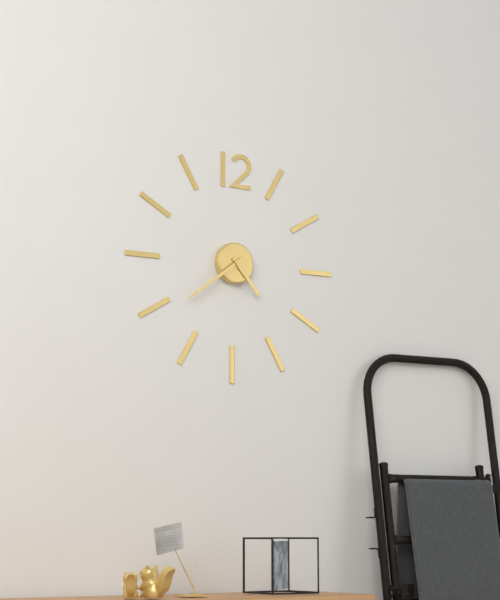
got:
4:39
